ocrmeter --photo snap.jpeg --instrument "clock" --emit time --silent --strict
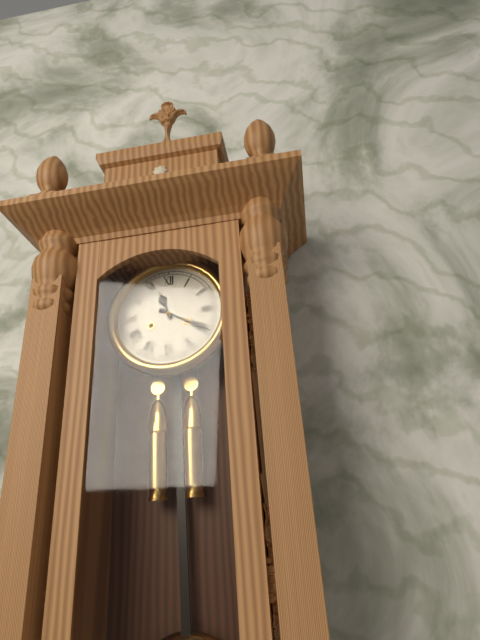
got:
11:20
